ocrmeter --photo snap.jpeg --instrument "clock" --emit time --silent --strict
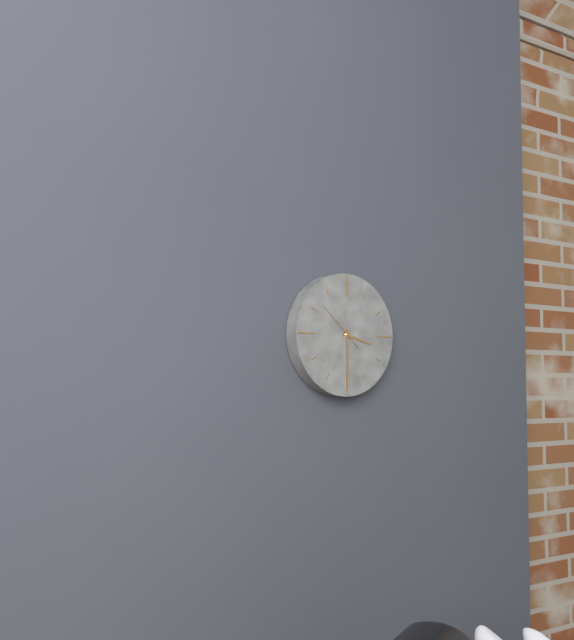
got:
3:30
